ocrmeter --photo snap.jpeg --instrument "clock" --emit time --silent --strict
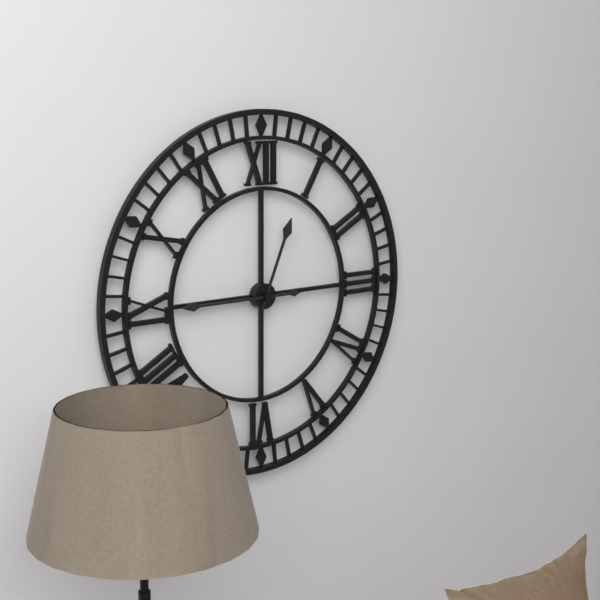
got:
12:45
